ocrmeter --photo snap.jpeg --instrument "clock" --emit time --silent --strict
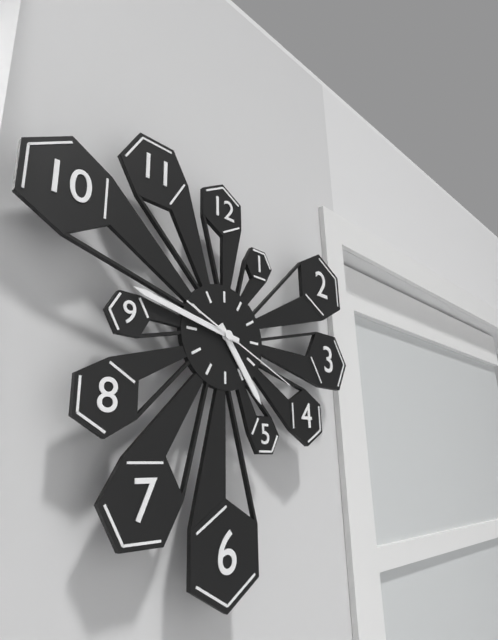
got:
4:47:19
